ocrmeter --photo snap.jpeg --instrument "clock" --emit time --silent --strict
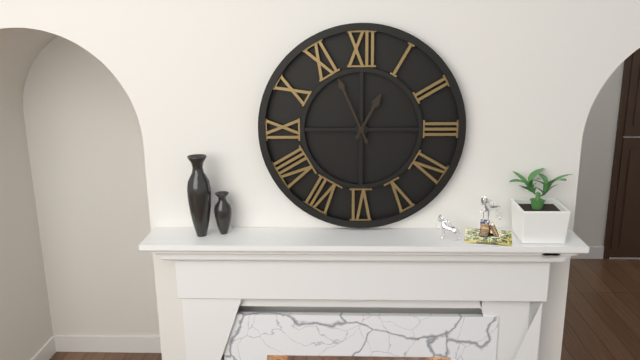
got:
12:56
